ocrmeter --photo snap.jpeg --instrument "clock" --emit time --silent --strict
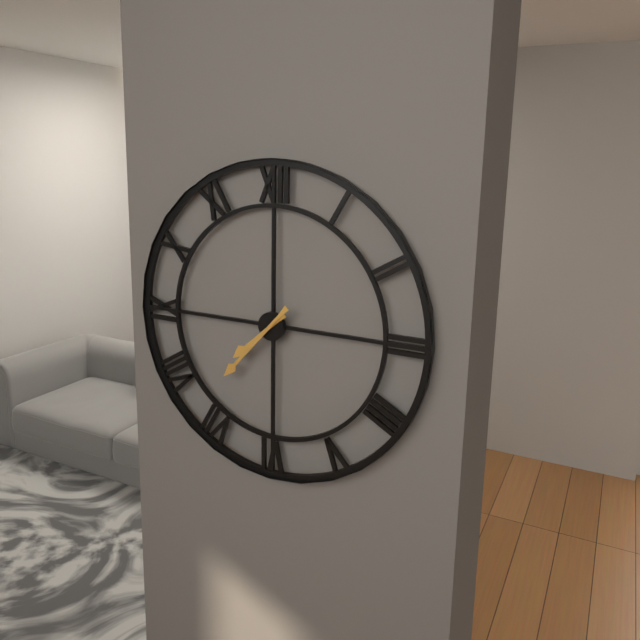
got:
7:37
